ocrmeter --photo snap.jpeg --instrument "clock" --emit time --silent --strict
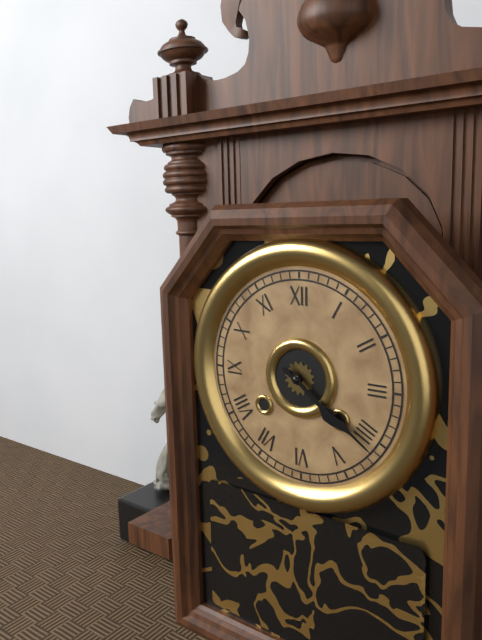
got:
4:21
